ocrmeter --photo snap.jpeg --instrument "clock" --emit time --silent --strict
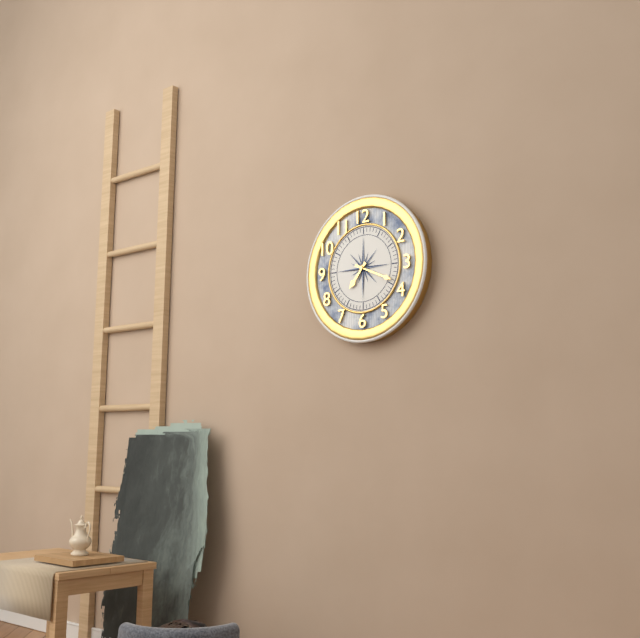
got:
7:19
